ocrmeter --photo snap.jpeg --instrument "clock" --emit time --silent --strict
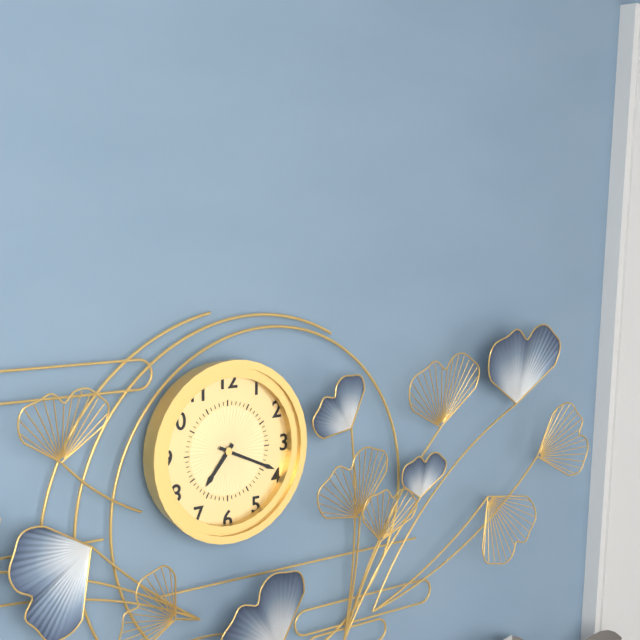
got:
7:19
